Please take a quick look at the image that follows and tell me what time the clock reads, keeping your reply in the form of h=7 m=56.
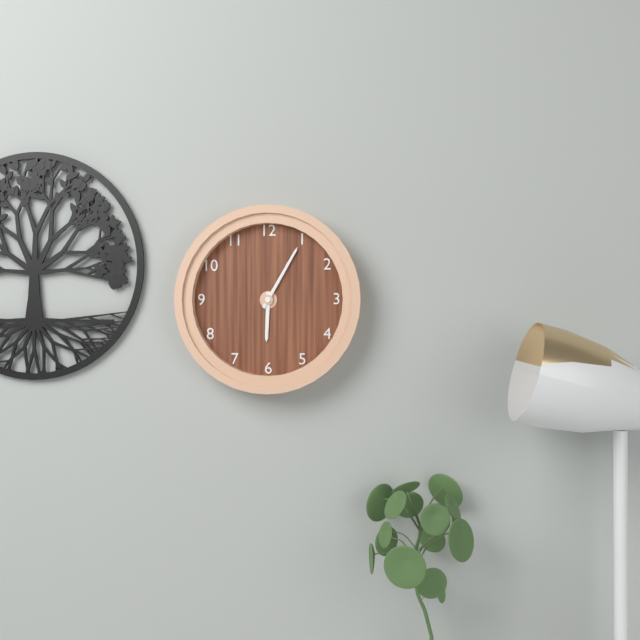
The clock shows h=6 m=5
